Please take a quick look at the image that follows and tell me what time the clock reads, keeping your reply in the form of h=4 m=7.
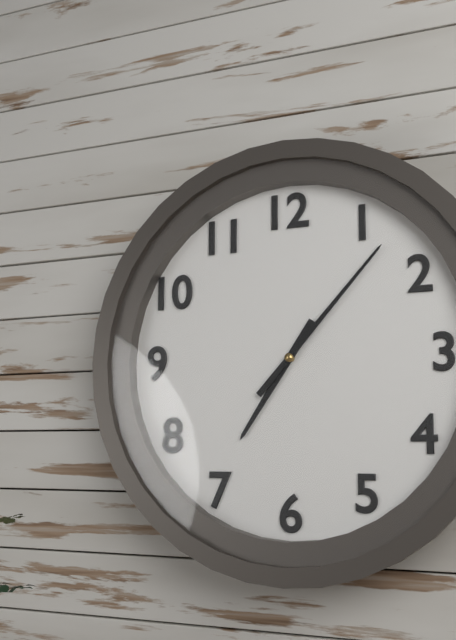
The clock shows h=7 m=7
